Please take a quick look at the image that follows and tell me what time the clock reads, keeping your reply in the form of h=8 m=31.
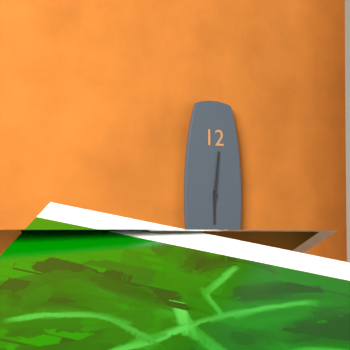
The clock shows h=6 m=1
